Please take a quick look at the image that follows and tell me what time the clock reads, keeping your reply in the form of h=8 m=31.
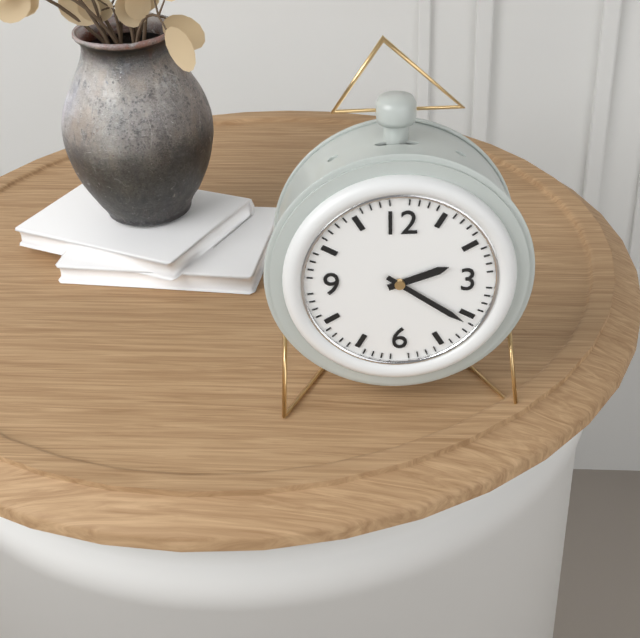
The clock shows h=2 m=21
